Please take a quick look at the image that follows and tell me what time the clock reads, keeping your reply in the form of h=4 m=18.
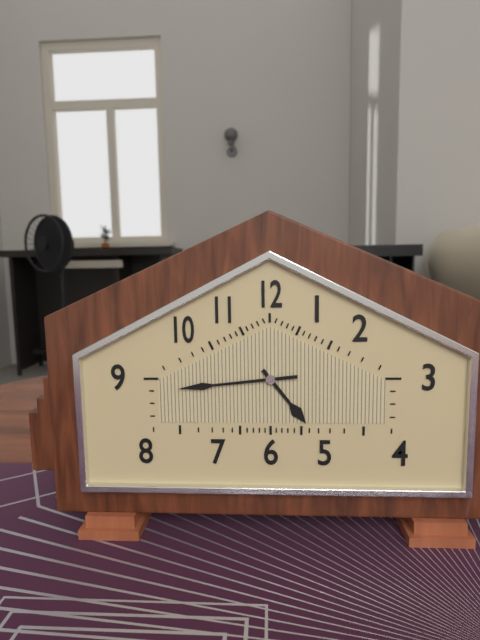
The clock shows h=4 m=44
